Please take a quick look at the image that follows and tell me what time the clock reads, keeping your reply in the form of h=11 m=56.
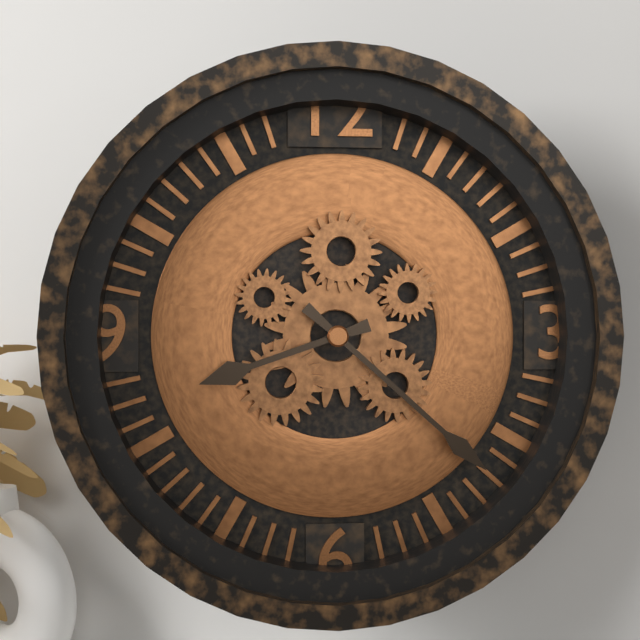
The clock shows h=8 m=22
